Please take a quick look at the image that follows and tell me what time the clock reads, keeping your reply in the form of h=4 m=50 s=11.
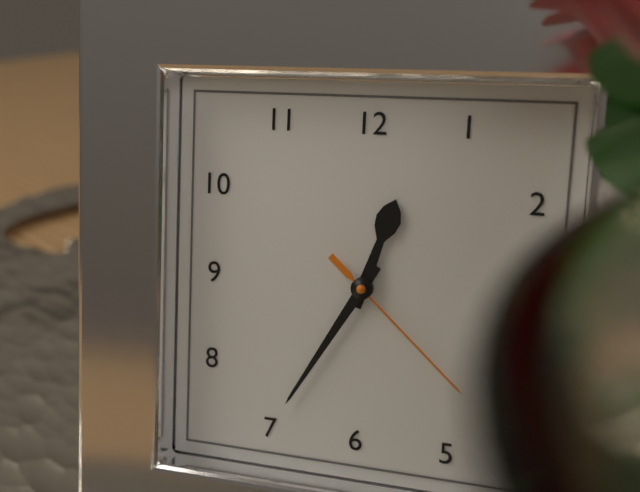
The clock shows h=12 m=35 s=22
